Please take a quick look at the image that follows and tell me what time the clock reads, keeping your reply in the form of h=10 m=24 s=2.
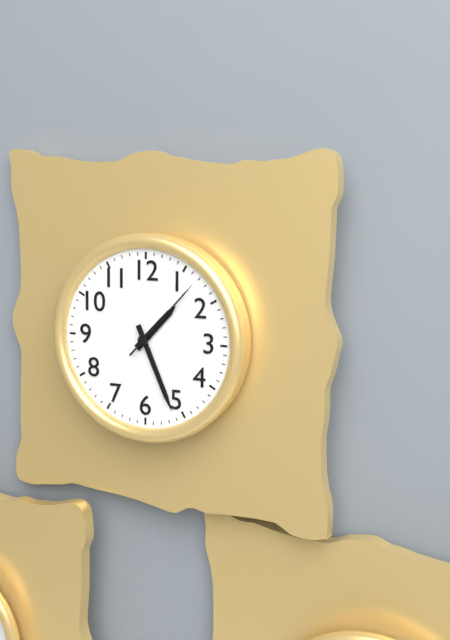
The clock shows h=1 m=26 s=7
